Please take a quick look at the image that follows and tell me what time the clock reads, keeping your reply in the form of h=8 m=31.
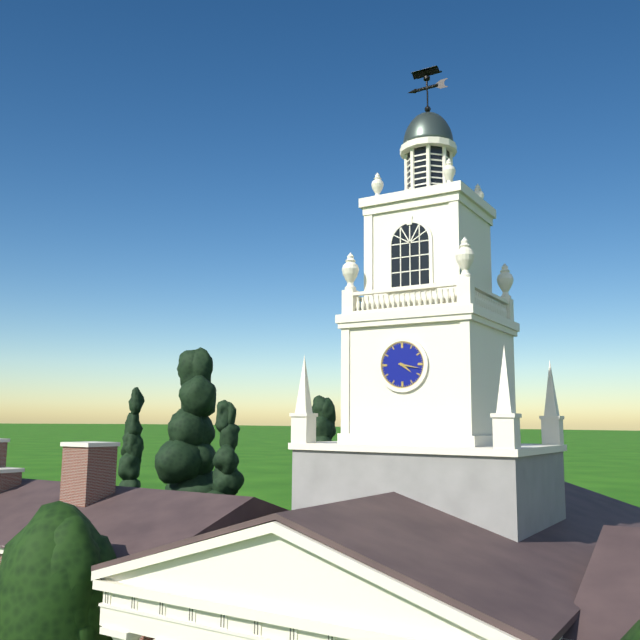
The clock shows h=4 m=17
